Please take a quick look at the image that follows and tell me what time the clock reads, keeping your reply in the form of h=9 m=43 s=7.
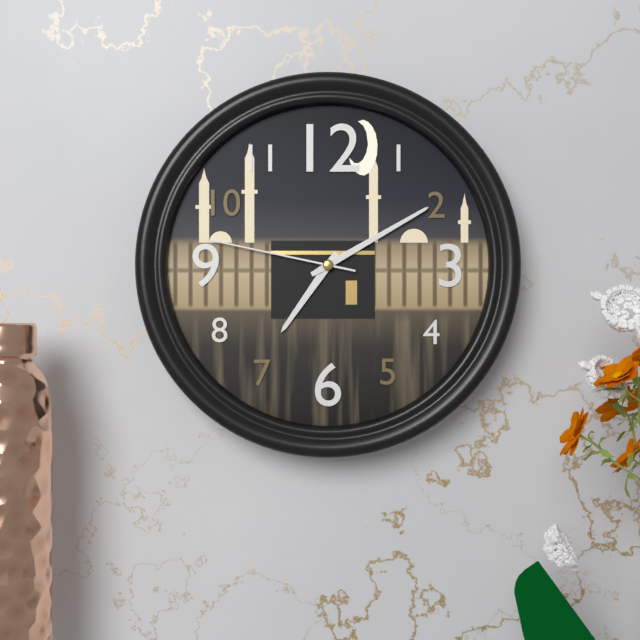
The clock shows h=7 m=10 s=47
